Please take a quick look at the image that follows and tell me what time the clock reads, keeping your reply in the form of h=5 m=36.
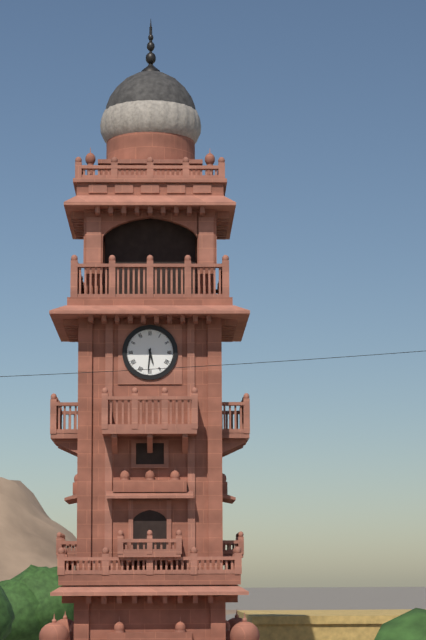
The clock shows h=5 m=31
